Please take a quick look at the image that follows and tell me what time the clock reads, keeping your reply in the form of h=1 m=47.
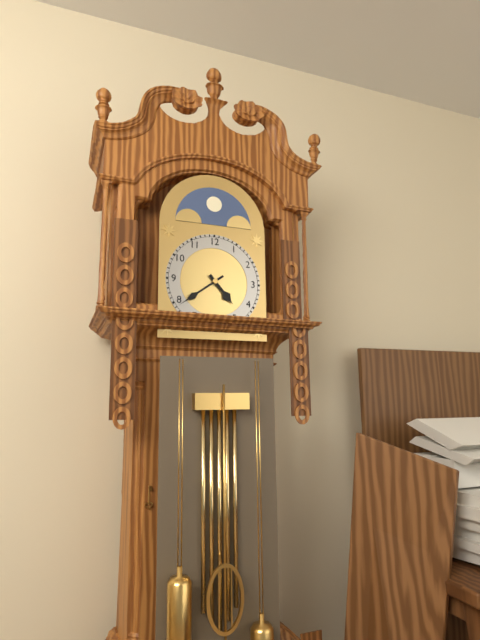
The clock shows h=4 m=39
